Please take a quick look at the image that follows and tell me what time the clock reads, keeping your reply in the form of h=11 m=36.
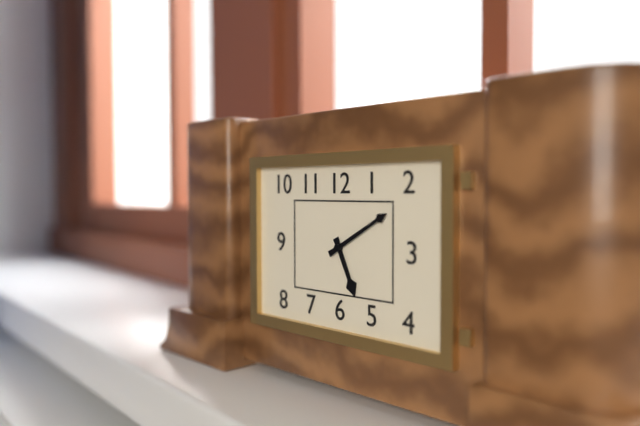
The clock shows h=5 m=10
